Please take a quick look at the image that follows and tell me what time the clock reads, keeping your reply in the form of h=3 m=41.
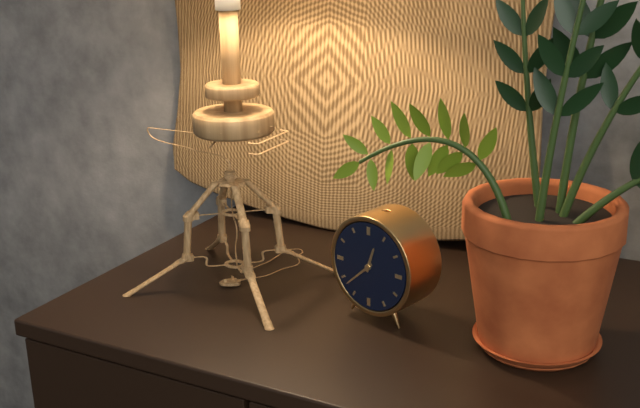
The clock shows h=12 m=38
